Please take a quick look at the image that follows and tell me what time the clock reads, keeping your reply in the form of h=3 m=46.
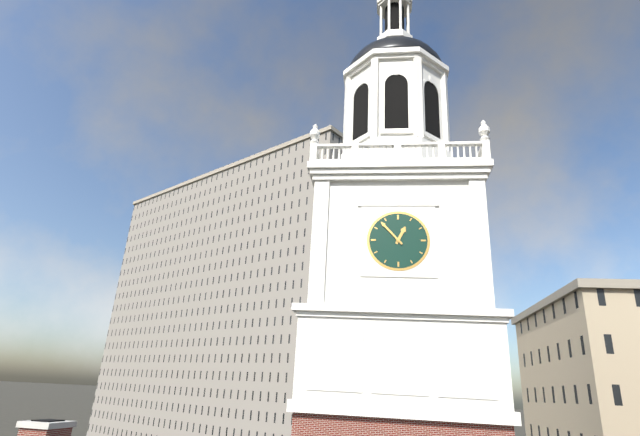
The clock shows h=12 m=53
